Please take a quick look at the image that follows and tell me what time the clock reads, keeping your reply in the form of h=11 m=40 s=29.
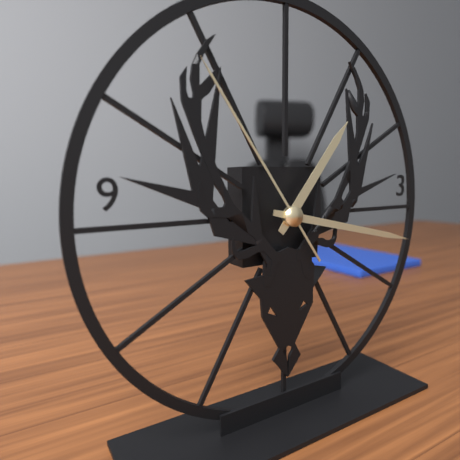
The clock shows h=1 m=17 s=54
